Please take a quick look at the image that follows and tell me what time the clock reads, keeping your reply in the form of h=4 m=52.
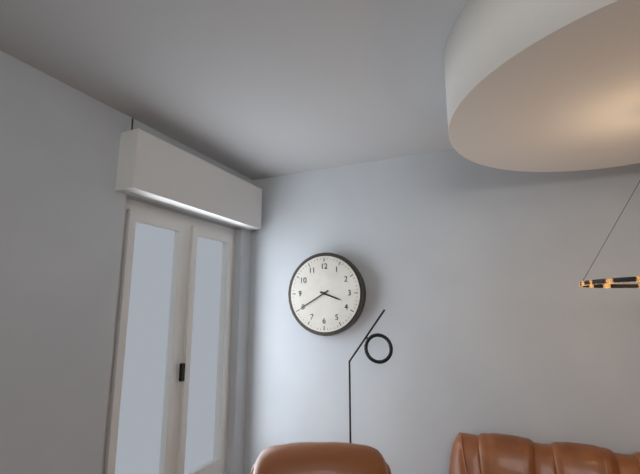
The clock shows h=3 m=40
